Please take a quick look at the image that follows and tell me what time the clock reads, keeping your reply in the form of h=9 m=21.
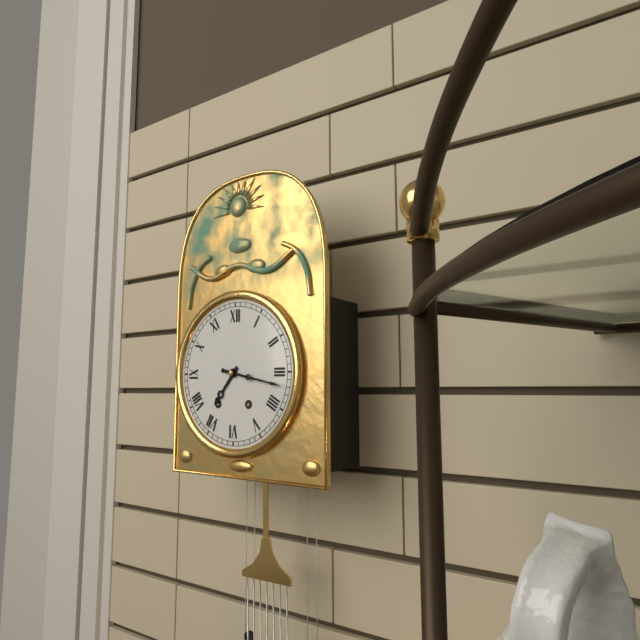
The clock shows h=7 m=17
